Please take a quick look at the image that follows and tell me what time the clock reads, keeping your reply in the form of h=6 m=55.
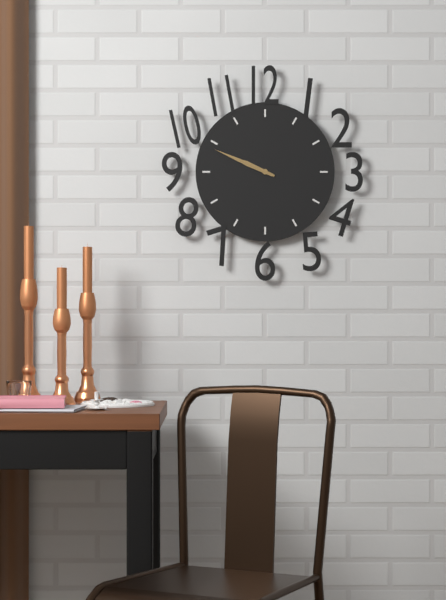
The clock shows h=9 m=49
